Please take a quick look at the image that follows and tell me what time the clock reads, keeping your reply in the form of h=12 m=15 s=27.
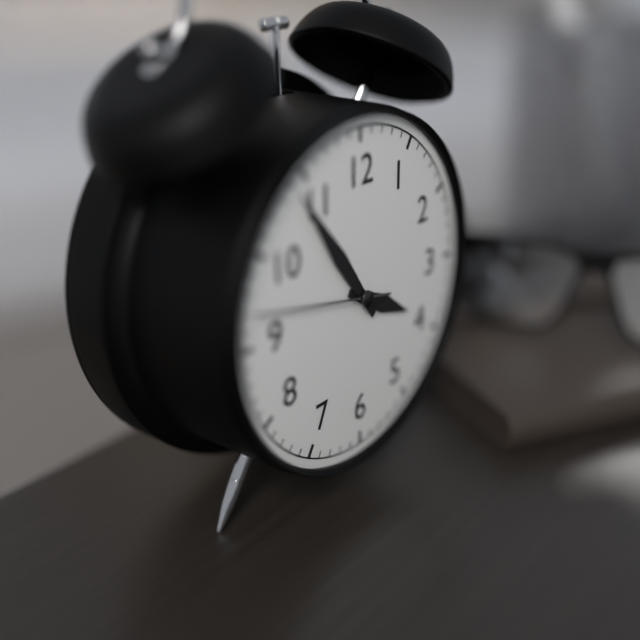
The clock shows h=3 m=54 s=47
